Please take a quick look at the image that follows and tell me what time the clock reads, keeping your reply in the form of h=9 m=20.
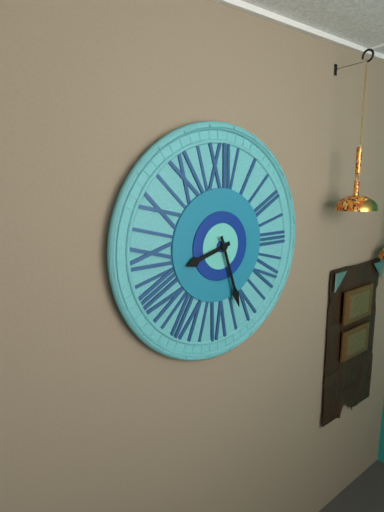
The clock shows h=8 m=27
